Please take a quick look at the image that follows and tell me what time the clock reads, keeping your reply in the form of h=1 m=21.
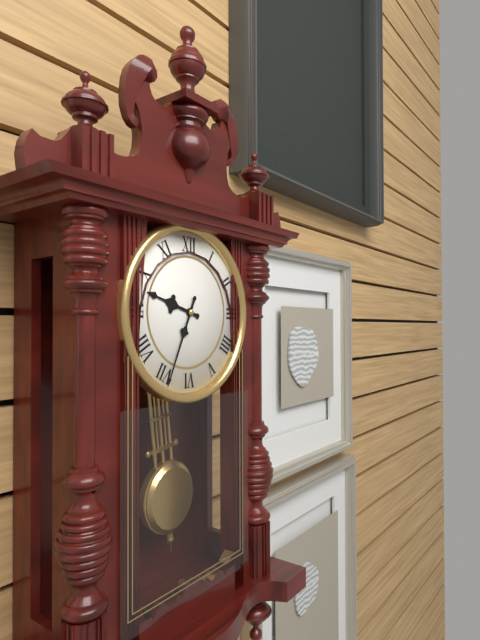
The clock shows h=9 m=34
